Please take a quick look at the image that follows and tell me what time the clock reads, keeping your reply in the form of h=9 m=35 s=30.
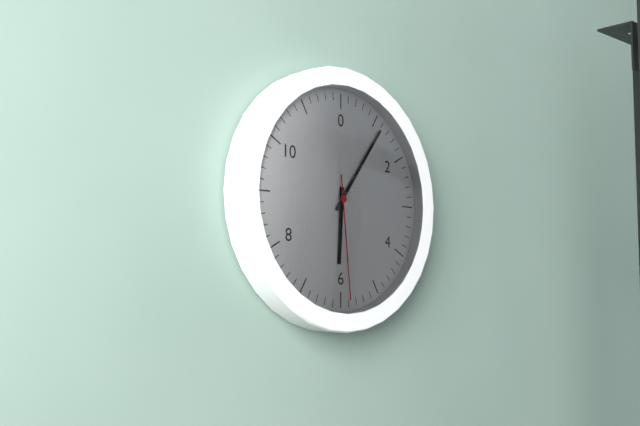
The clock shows h=6 m=6 s=29
